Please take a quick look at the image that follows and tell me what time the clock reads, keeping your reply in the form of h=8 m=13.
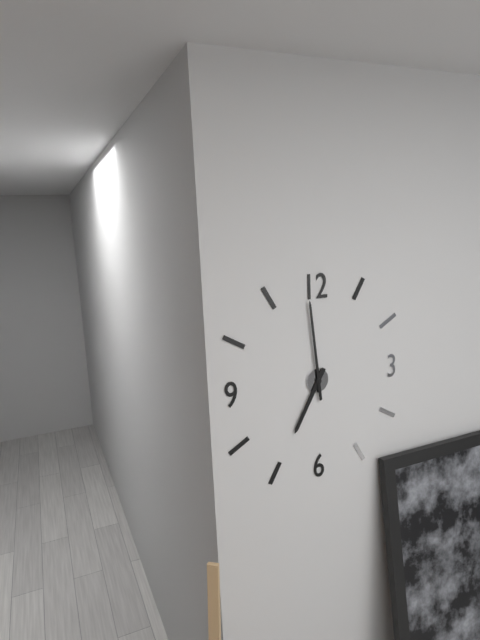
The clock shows h=6 m=59
